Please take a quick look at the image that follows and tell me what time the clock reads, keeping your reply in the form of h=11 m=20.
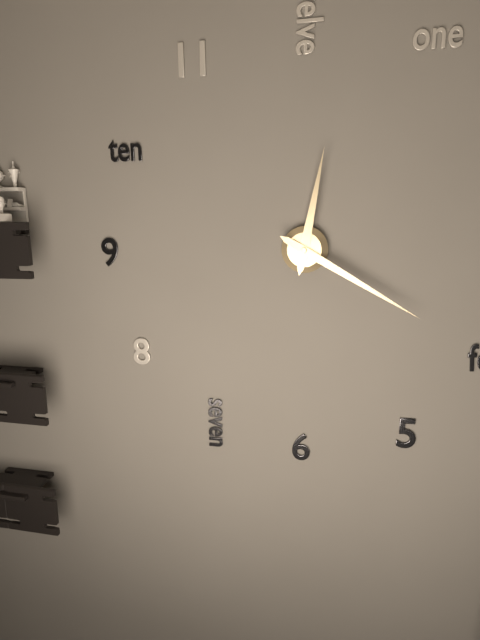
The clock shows h=12 m=20
